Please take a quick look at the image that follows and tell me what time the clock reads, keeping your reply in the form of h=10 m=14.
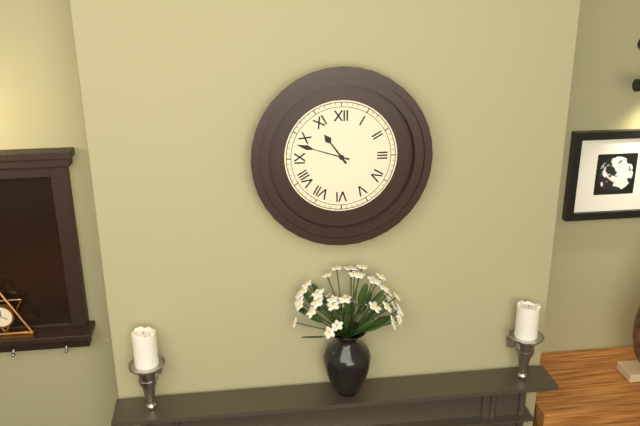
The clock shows h=10 m=48
